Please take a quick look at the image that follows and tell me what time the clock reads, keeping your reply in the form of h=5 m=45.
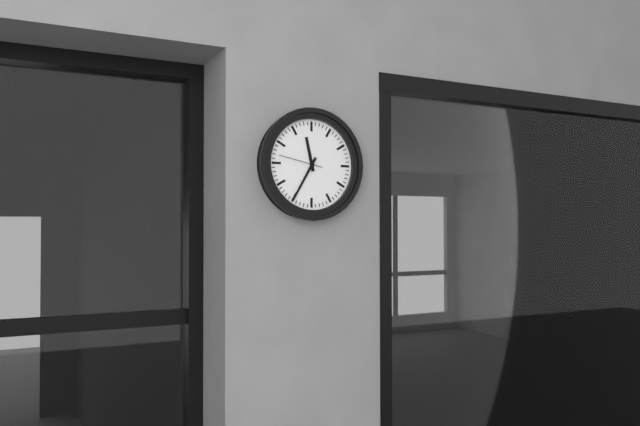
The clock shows h=11 m=35
